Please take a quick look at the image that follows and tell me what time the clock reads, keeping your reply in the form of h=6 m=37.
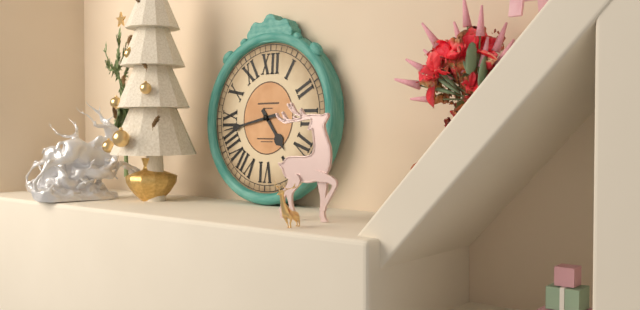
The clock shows h=4 m=43
